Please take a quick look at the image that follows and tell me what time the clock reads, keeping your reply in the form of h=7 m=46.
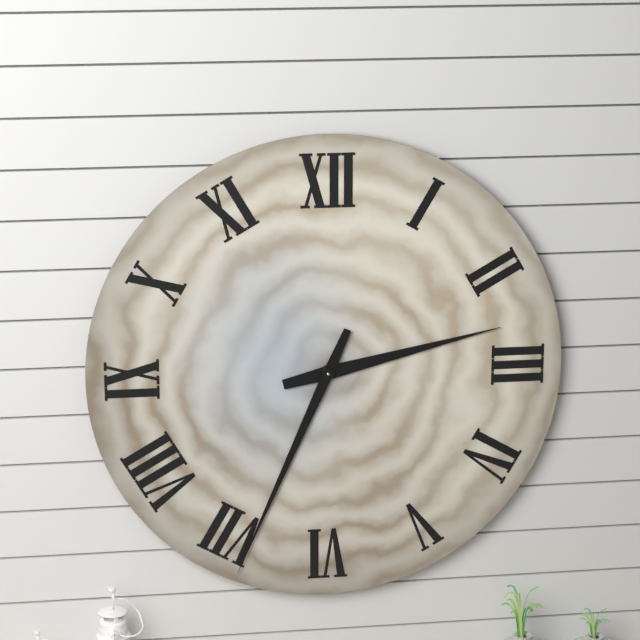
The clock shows h=2 m=34
